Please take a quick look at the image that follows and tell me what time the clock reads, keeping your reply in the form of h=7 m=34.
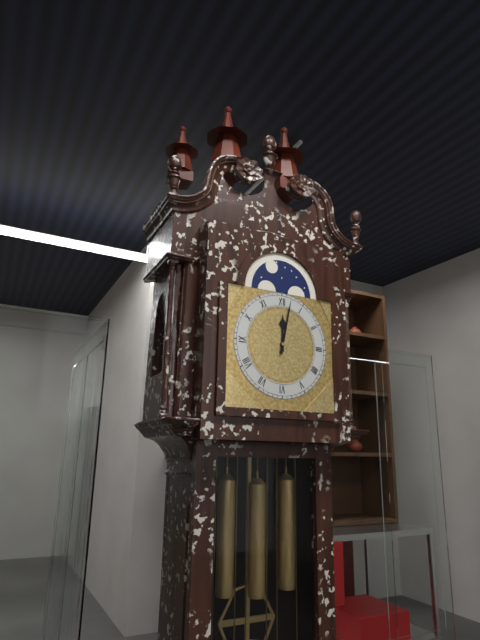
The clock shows h=12 m=2
